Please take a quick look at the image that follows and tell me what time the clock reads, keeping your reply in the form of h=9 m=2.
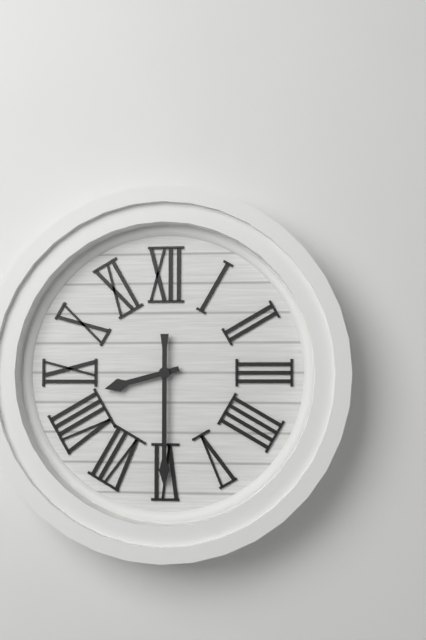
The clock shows h=8 m=30
